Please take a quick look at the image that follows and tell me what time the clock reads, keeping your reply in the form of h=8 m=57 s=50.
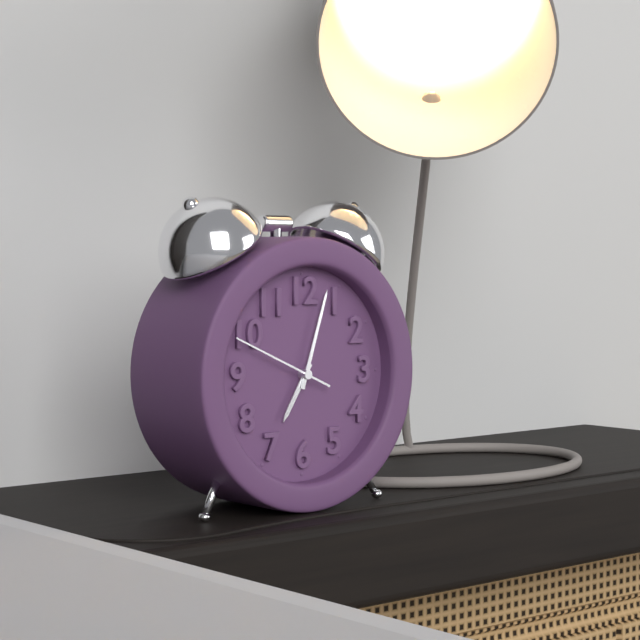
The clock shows h=7 m=3 s=49
